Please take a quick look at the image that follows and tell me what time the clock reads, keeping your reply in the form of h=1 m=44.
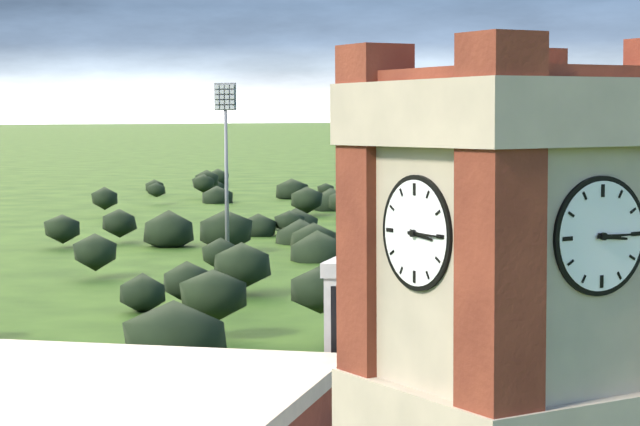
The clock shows h=3 m=15
